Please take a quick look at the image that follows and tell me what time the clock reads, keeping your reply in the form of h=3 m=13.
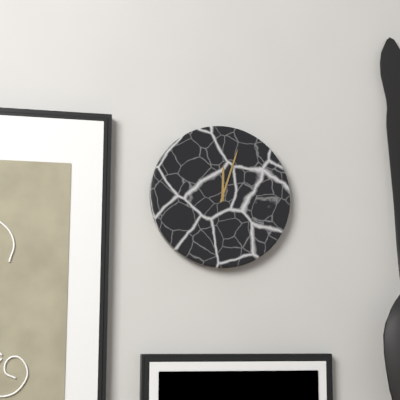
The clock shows h=12 m=3
